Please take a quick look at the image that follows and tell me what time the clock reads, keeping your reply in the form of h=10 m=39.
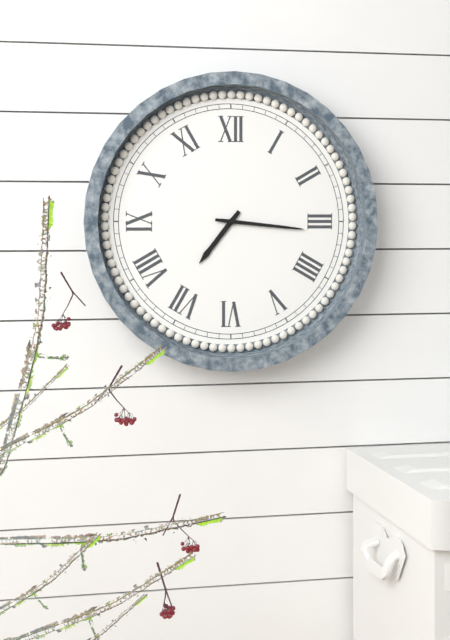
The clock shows h=7 m=16
